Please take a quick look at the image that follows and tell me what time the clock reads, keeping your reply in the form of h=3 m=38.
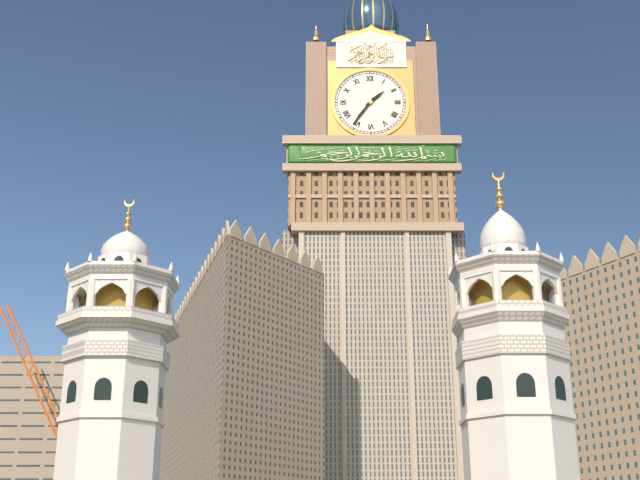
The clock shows h=1 m=36
